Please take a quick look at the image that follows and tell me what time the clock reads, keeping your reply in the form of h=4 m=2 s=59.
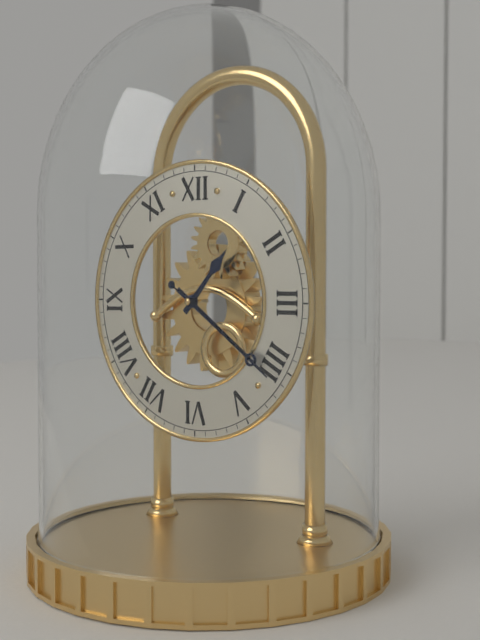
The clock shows h=1 m=21 s=21
